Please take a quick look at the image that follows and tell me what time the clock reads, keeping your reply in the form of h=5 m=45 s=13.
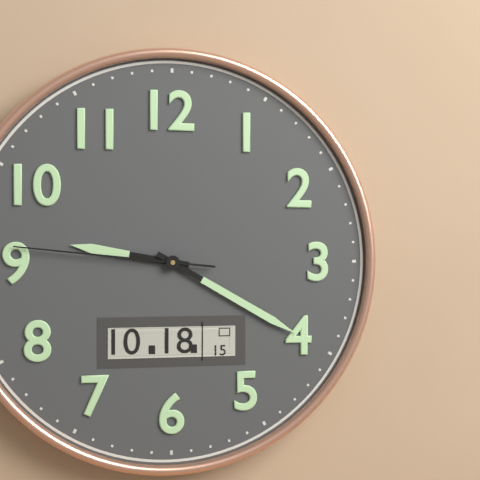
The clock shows h=9 m=20 s=46
